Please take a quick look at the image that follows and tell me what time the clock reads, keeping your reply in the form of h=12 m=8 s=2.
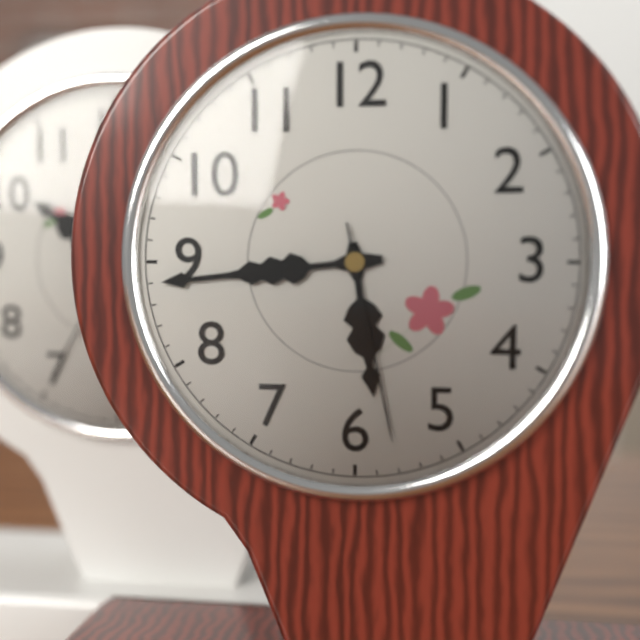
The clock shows h=5 m=44 s=28
